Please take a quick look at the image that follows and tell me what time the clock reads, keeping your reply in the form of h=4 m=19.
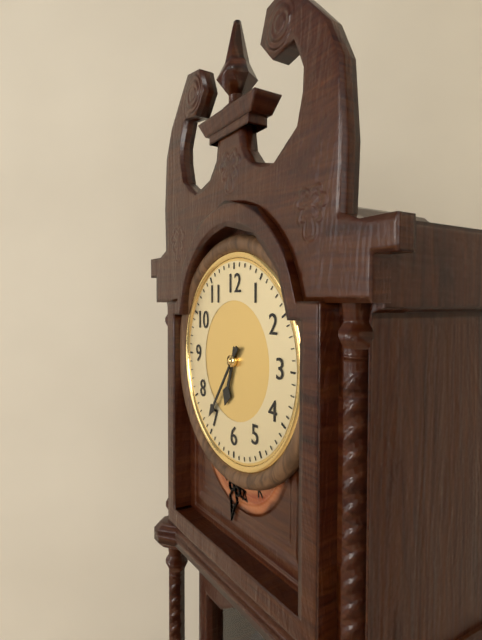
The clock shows h=6 m=36
